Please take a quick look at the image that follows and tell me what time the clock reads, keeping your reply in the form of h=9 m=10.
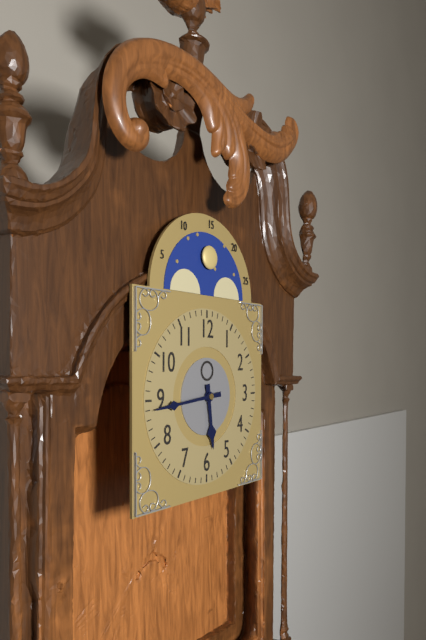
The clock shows h=5 m=44
